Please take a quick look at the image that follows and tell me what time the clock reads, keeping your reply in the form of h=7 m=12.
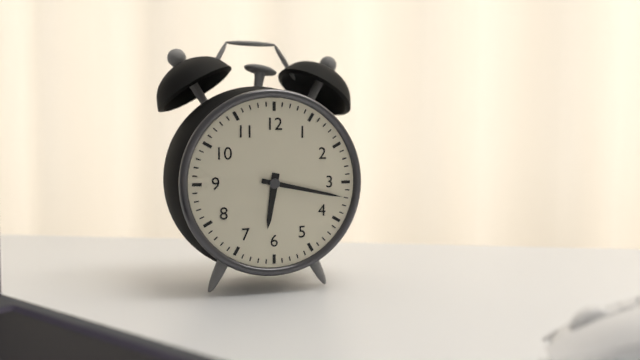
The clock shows h=6 m=17
